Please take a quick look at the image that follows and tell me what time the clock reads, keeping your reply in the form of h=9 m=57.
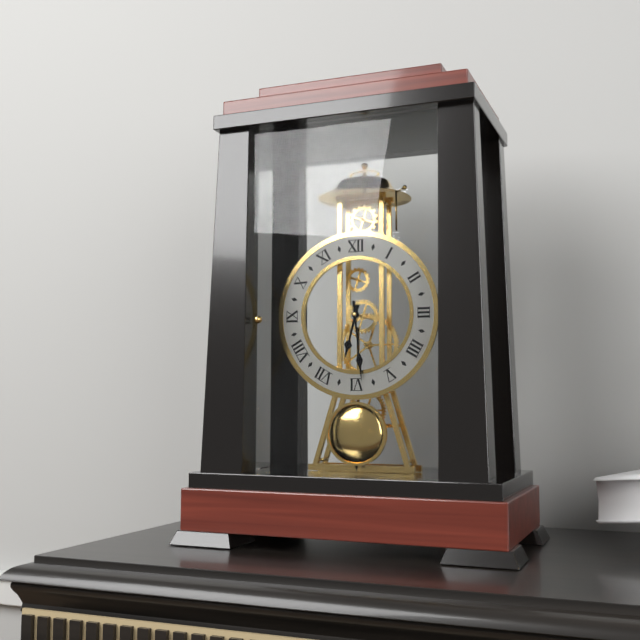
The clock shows h=6 m=29
